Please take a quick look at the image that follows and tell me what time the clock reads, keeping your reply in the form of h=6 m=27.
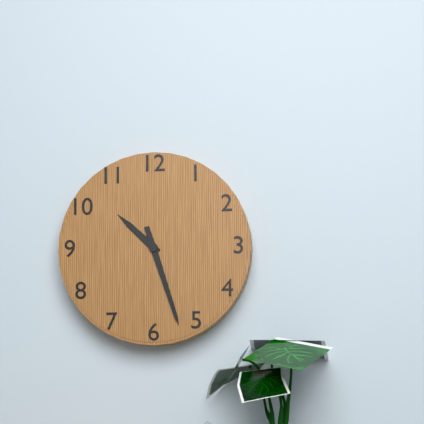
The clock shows h=10 m=27
